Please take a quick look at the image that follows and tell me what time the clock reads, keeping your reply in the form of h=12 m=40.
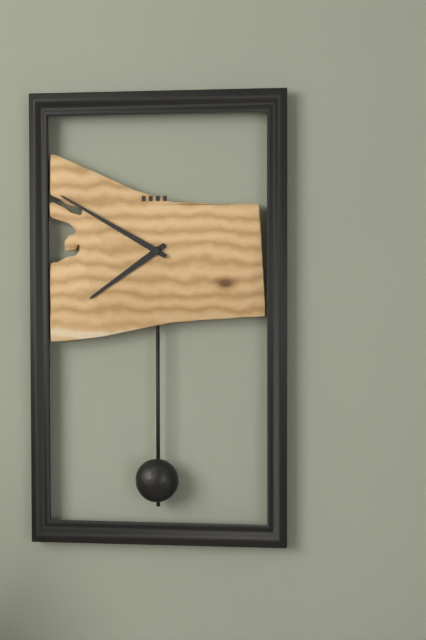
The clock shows h=7 m=50
